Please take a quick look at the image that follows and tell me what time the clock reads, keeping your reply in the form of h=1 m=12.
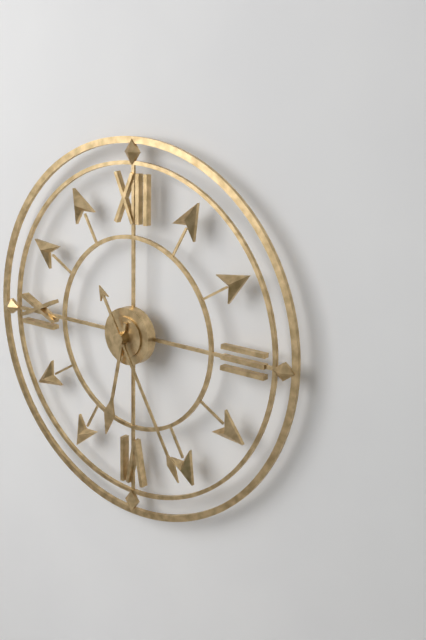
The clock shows h=6 m=25
